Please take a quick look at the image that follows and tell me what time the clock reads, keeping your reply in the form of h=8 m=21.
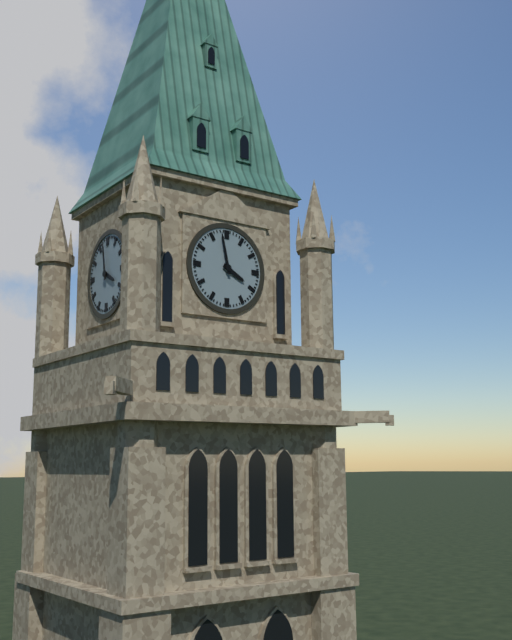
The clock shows h=3 m=58
